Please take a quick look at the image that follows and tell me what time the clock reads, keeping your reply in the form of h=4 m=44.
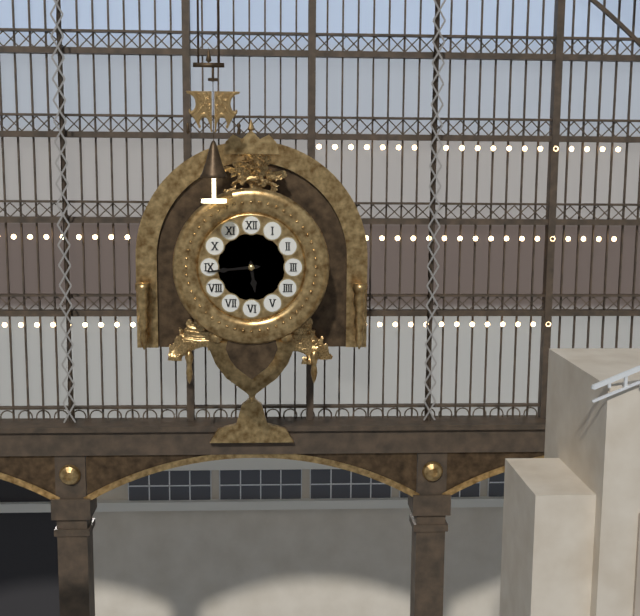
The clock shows h=5 m=44
